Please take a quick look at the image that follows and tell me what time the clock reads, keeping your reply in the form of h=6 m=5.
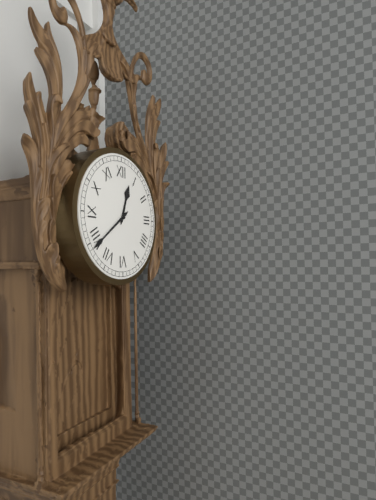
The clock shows h=12 m=39
